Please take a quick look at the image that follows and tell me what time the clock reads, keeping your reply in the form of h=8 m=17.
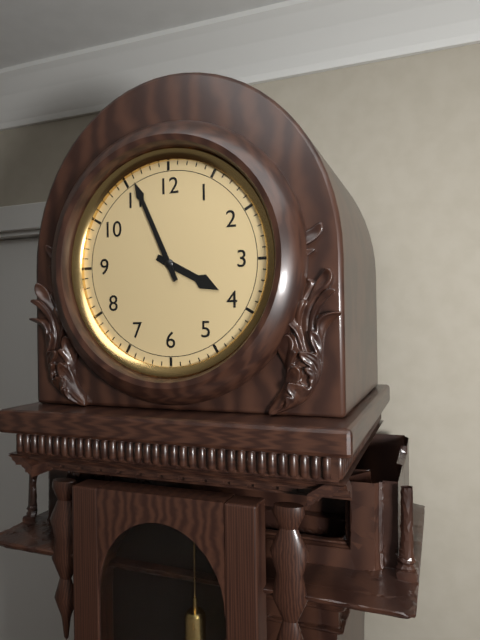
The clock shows h=3 m=56
